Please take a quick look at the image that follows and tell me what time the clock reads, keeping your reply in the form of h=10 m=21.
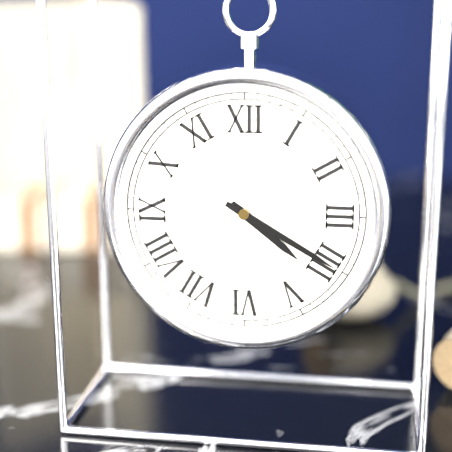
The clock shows h=4 m=20
